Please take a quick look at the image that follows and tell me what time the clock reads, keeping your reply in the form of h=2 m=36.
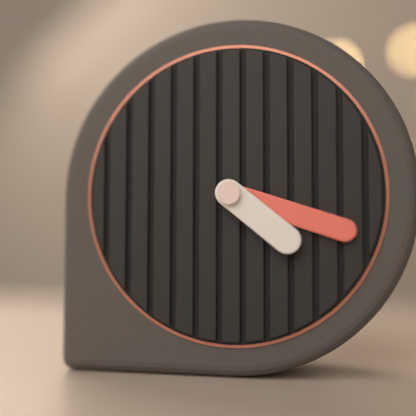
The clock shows h=4 m=18
